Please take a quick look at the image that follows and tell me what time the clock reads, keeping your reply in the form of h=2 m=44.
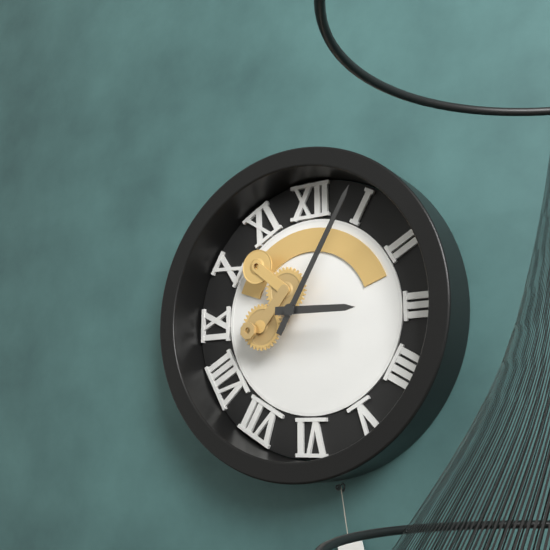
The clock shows h=3 m=5
